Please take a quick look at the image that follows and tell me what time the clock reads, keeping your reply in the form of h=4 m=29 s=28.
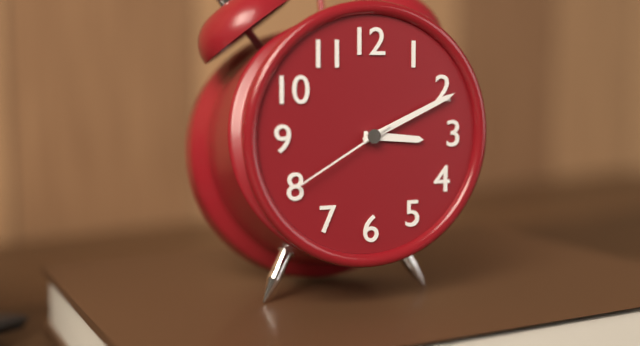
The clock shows h=3 m=11 s=40
